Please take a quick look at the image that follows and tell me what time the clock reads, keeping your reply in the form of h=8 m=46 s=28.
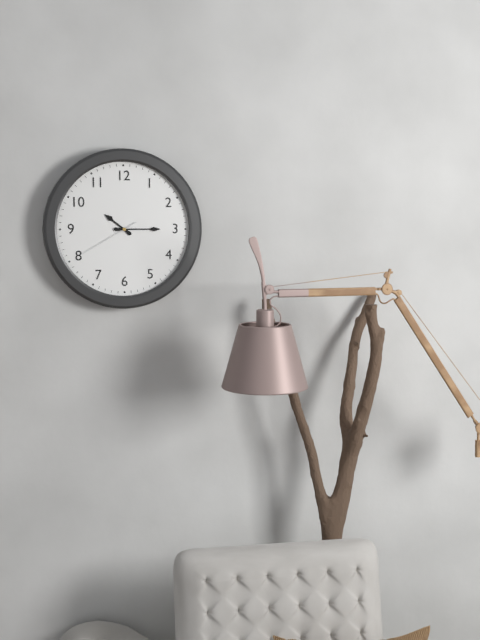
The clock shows h=10 m=15 s=40
